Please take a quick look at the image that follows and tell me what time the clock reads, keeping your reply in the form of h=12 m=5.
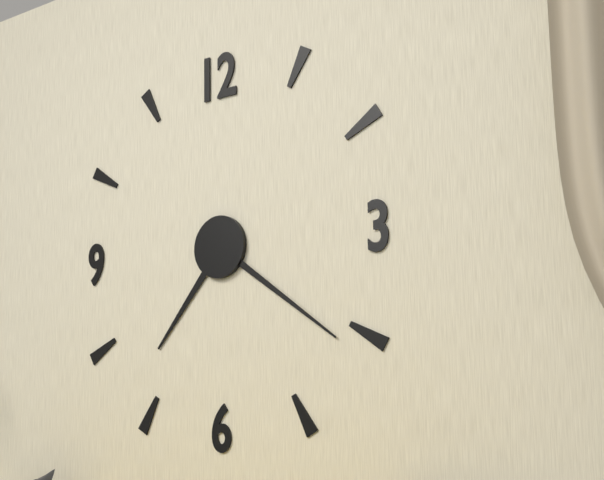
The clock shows h=7 m=21
